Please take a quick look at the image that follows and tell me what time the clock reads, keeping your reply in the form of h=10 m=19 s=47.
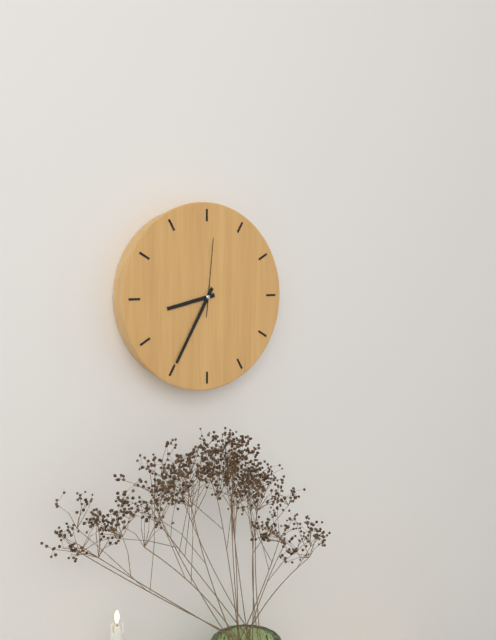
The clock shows h=8 m=35 s=1
